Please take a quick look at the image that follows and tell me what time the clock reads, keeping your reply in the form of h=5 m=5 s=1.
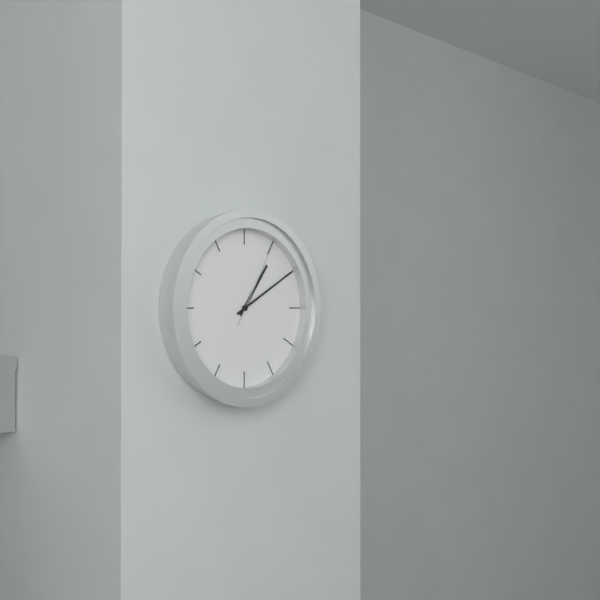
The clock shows h=1 m=10 s=5
